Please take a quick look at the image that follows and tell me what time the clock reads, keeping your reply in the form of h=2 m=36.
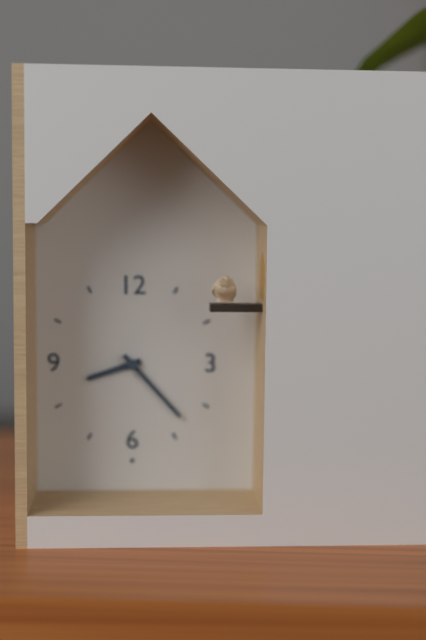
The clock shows h=8 m=23
